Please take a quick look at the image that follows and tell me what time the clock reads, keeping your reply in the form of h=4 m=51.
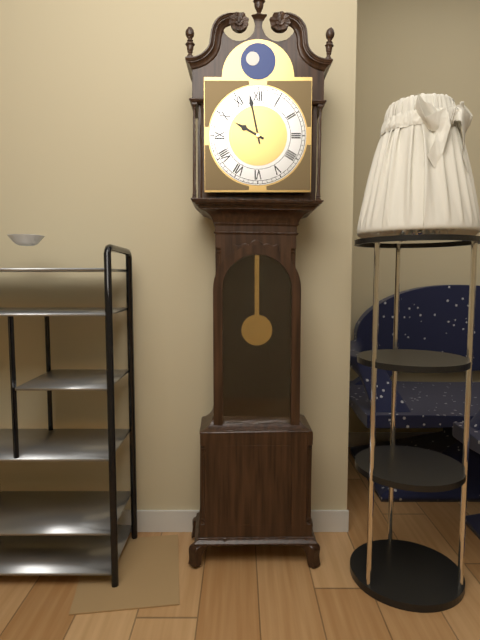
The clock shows h=9 m=58
